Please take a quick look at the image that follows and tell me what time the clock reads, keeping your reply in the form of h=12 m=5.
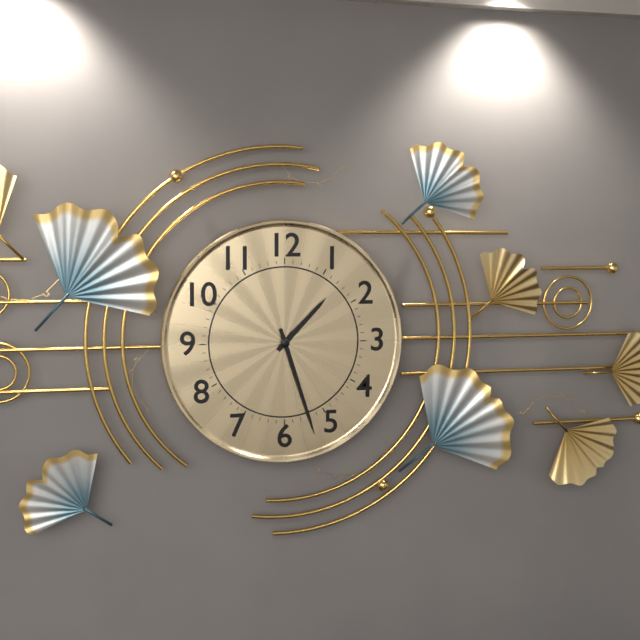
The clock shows h=1 m=27
